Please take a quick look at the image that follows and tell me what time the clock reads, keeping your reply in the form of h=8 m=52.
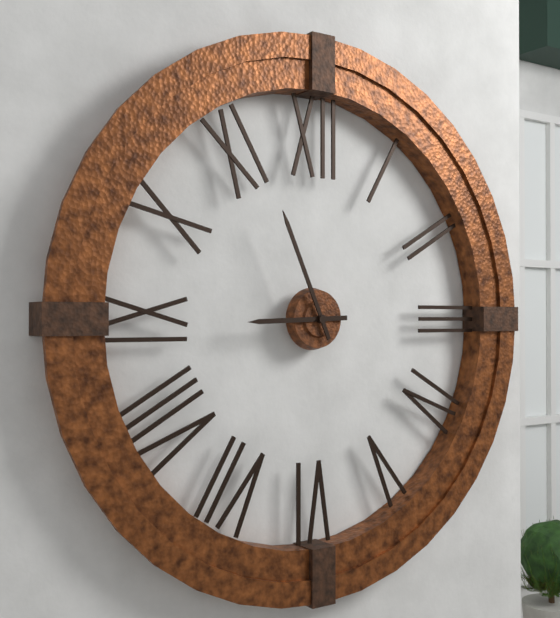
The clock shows h=8 m=56
